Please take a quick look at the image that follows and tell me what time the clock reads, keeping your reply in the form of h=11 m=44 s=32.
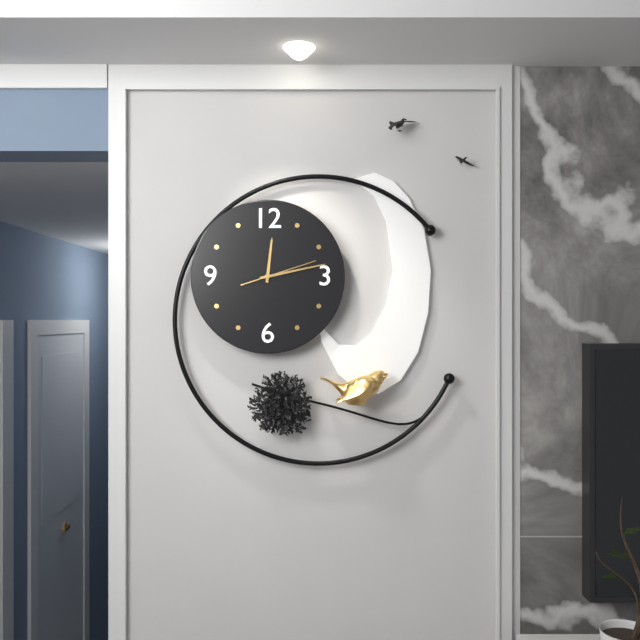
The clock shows h=12 m=13 s=12
